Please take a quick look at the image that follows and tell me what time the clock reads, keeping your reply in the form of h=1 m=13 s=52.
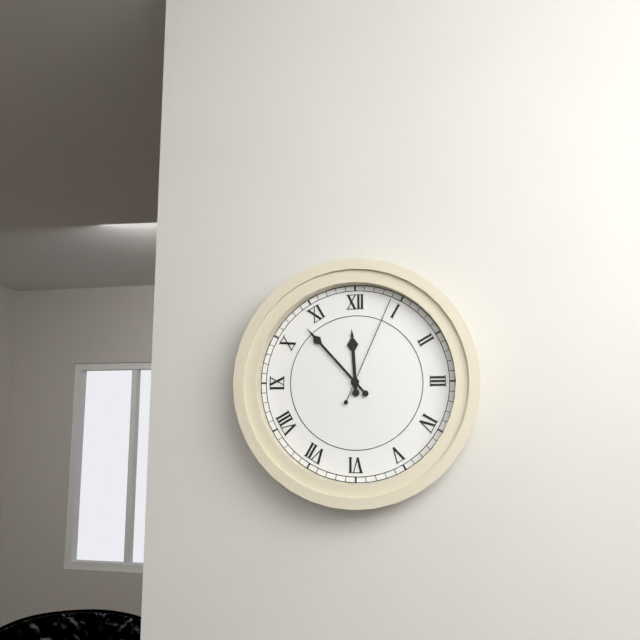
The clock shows h=11 m=53 s=4
